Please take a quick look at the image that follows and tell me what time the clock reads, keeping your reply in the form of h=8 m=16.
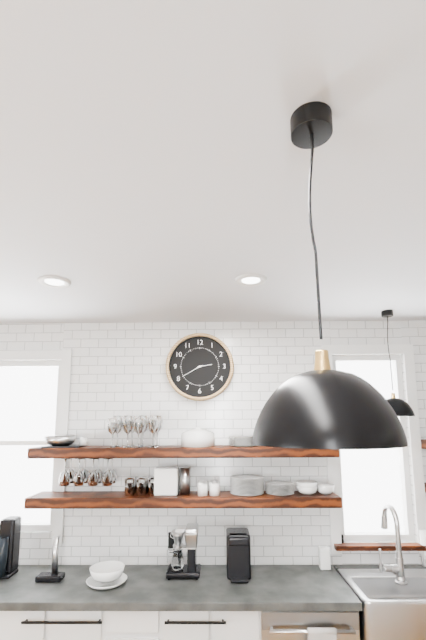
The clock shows h=2 m=40
